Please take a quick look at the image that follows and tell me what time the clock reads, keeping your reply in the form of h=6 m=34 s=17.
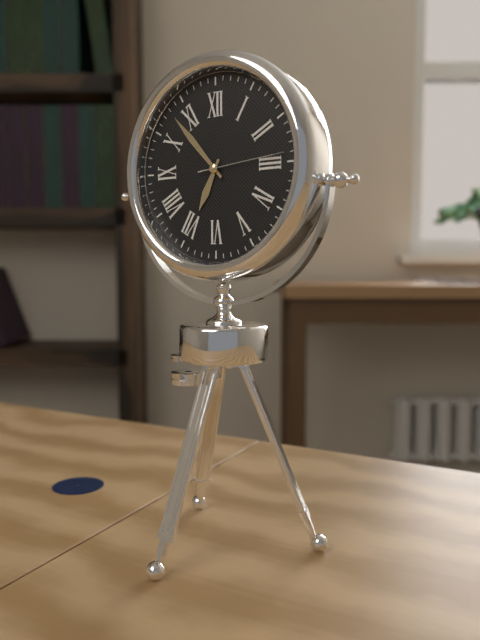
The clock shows h=6 m=53 s=14
